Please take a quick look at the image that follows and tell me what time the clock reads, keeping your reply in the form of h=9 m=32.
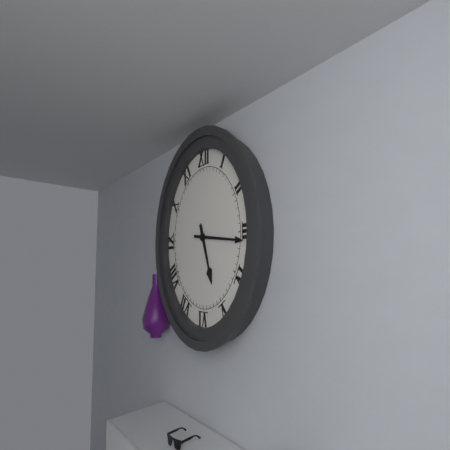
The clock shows h=5 m=16
